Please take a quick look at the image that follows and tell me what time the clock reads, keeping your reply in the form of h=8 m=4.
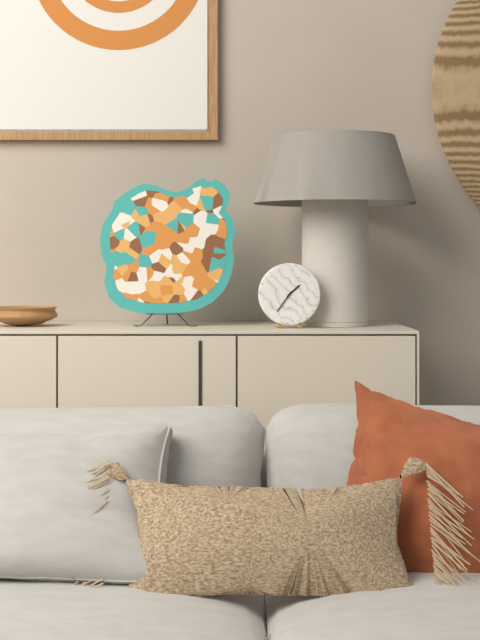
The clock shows h=1 m=36
